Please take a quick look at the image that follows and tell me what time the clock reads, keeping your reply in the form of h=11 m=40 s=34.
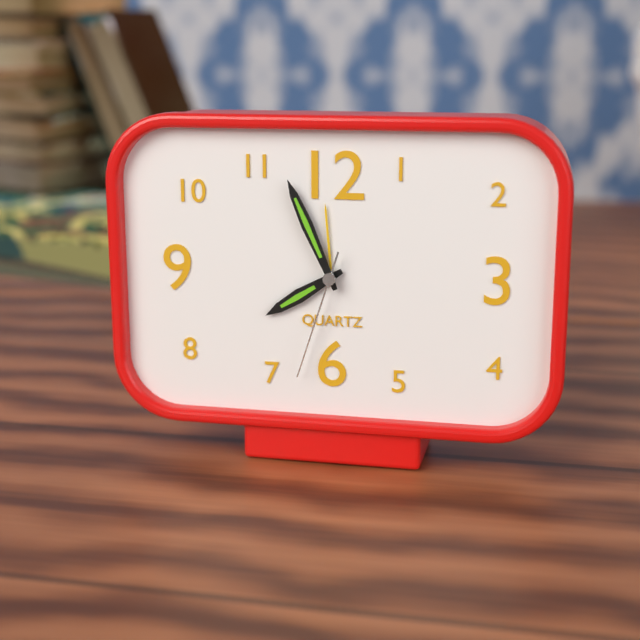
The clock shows h=7 m=56 s=33
